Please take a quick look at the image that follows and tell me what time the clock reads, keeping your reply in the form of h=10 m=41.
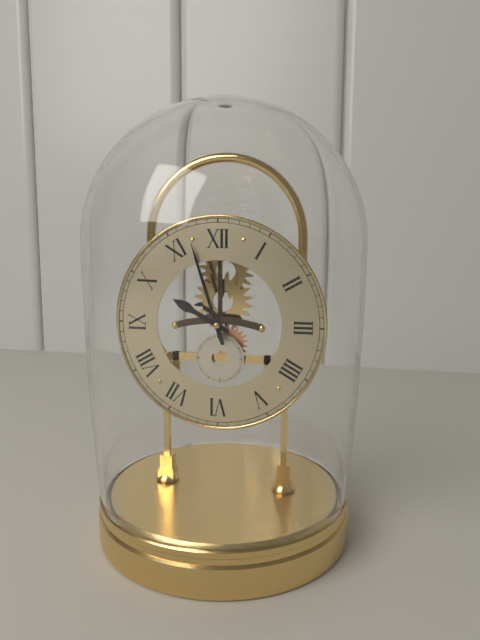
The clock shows h=9 m=57
